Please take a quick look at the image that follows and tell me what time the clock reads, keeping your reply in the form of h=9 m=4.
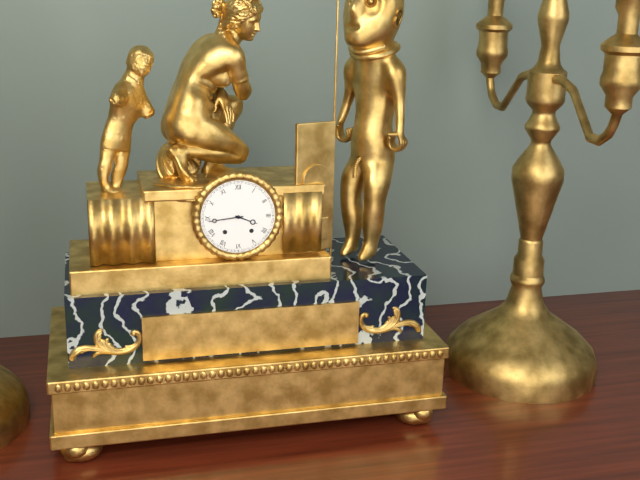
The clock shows h=3 m=44
